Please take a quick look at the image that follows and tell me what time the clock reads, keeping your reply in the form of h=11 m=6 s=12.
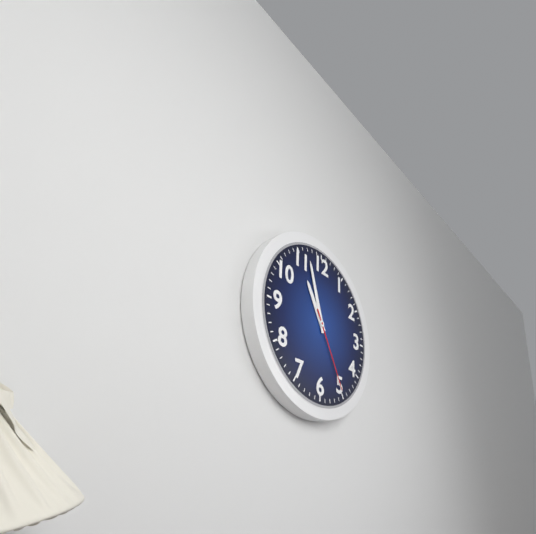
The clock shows h=10 m=57 s=25
